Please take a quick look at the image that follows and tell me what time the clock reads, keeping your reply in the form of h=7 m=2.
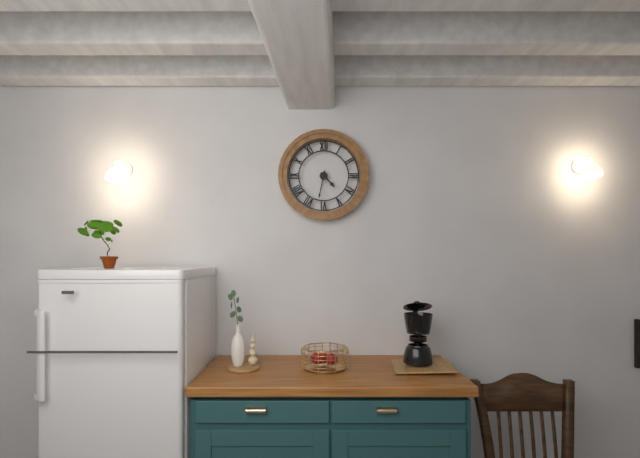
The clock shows h=4 m=32
